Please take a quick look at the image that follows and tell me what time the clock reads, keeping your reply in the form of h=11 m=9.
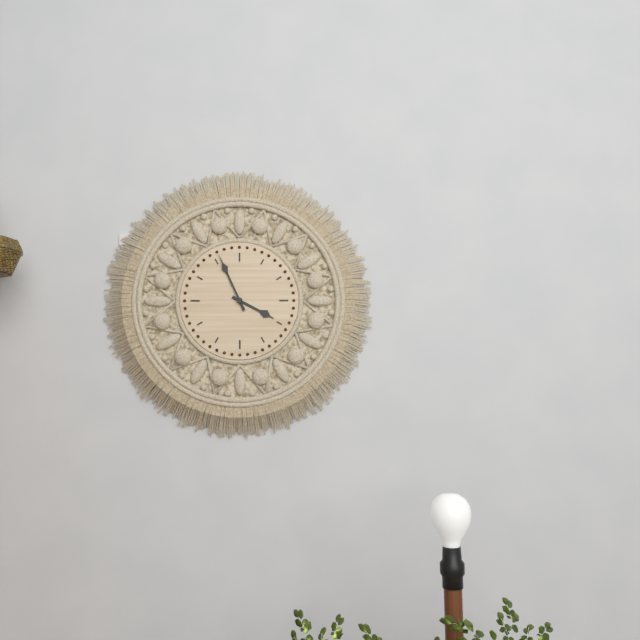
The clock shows h=3 m=56
